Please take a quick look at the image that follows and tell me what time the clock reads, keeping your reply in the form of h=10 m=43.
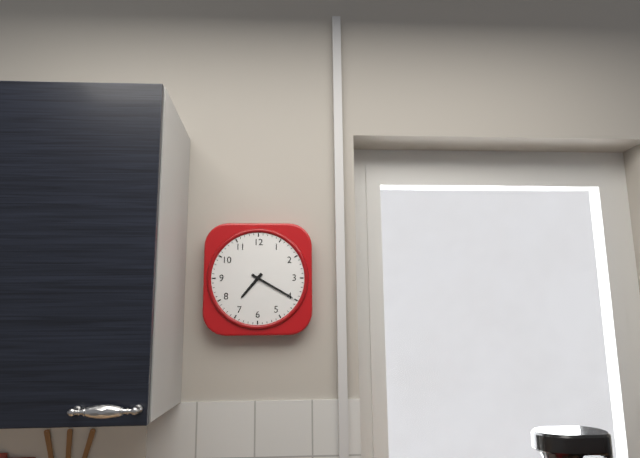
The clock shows h=7 m=20
